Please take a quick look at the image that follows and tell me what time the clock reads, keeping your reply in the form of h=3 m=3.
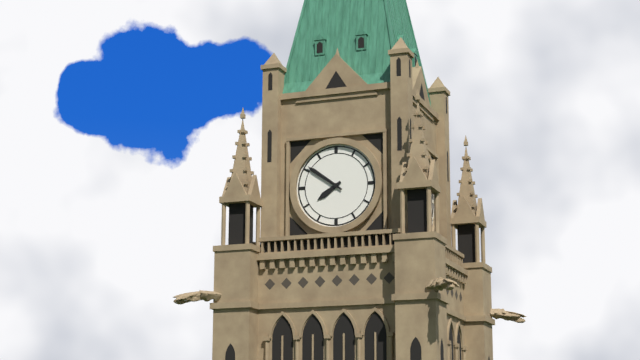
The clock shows h=7 m=51
